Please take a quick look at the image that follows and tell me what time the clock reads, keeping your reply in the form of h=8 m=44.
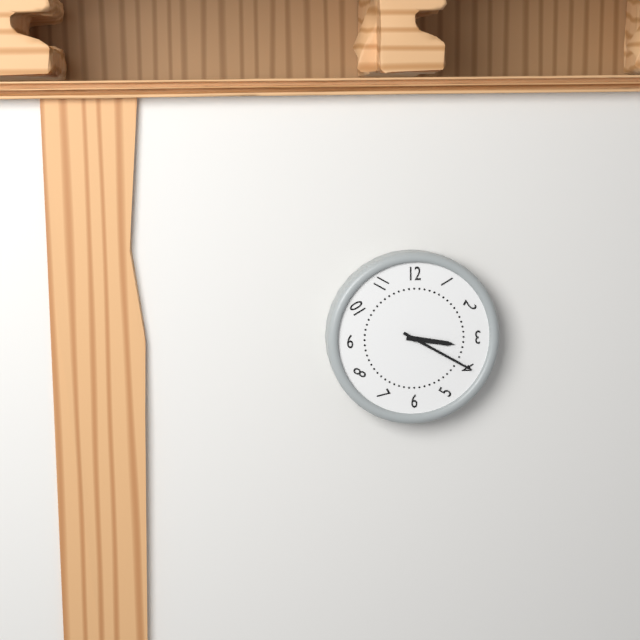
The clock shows h=3 m=20
